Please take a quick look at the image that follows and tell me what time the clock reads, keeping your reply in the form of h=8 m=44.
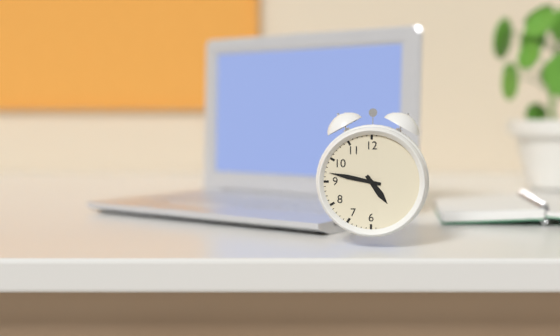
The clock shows h=4 m=47
